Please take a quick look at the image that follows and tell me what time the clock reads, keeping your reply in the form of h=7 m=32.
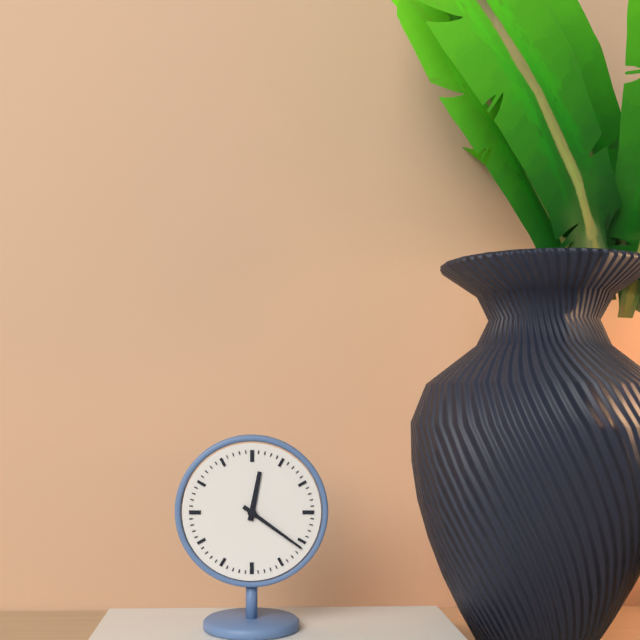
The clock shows h=12 m=21
